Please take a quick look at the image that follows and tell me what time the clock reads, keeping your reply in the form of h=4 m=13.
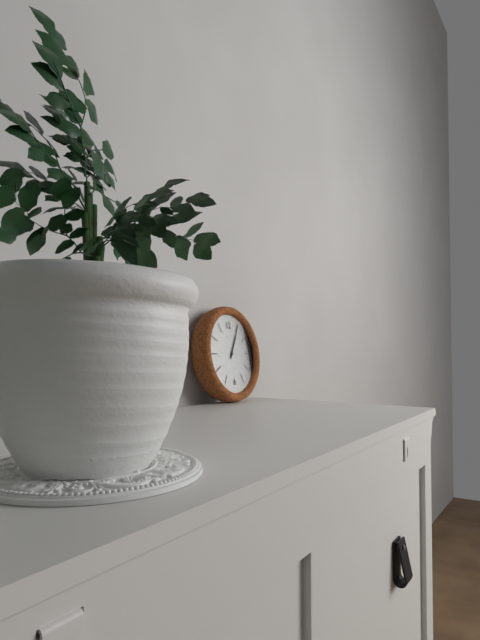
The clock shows h=1 m=5
